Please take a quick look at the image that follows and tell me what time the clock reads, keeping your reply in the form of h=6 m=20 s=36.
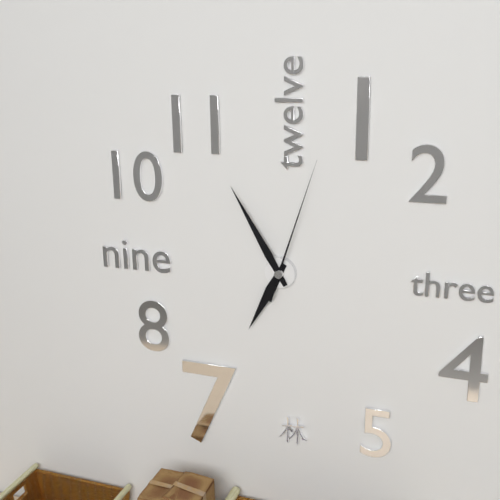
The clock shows h=6 m=55 s=3
